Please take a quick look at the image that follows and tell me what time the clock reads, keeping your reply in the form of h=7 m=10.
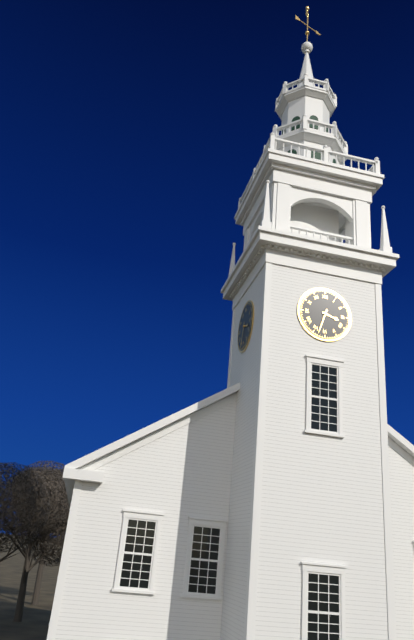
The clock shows h=3 m=33
